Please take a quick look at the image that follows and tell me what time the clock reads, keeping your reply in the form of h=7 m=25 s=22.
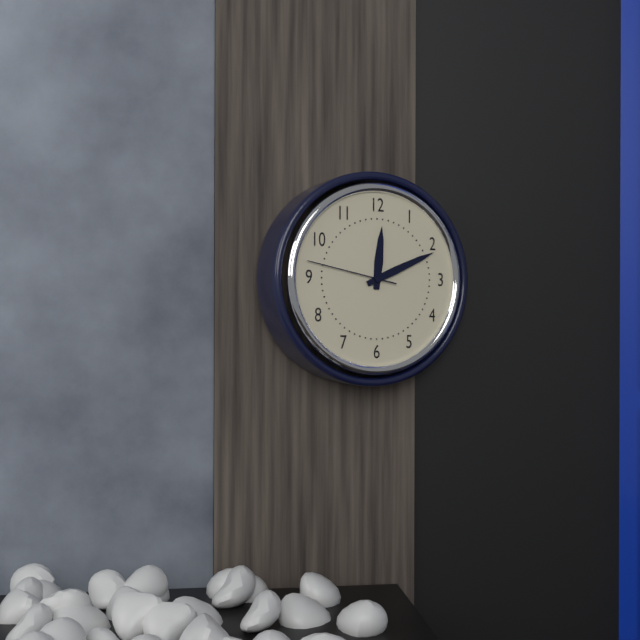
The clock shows h=12 m=11 s=47
